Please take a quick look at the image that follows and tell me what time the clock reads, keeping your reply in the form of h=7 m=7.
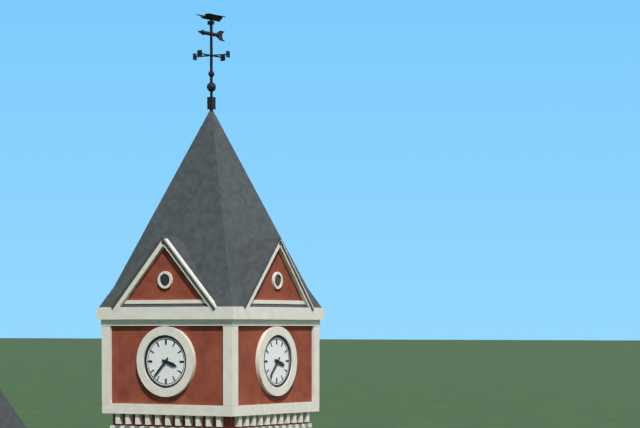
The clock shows h=3 m=37
